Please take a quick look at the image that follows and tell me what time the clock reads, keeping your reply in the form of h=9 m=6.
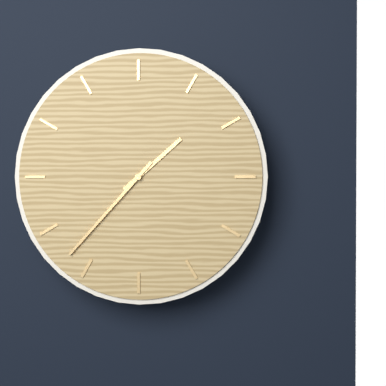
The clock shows h=1 m=37
